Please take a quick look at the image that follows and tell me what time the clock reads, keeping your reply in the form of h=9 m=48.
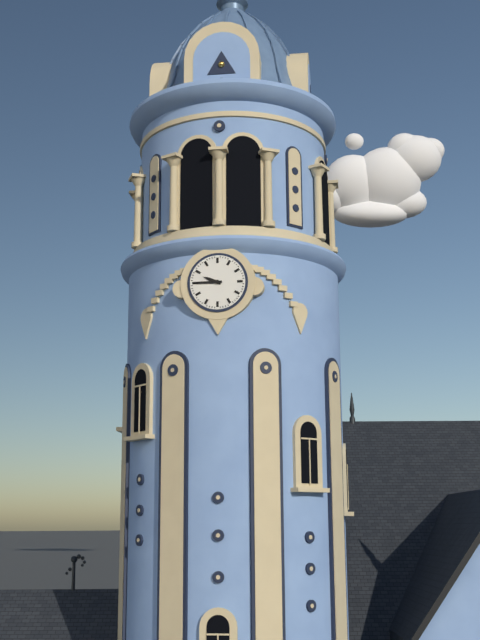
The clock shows h=9 m=45
